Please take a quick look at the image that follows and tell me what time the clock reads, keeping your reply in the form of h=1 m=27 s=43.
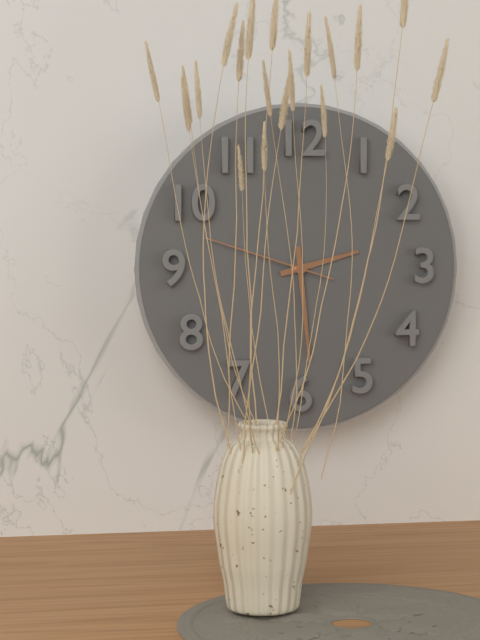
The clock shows h=2 m=29 s=48
